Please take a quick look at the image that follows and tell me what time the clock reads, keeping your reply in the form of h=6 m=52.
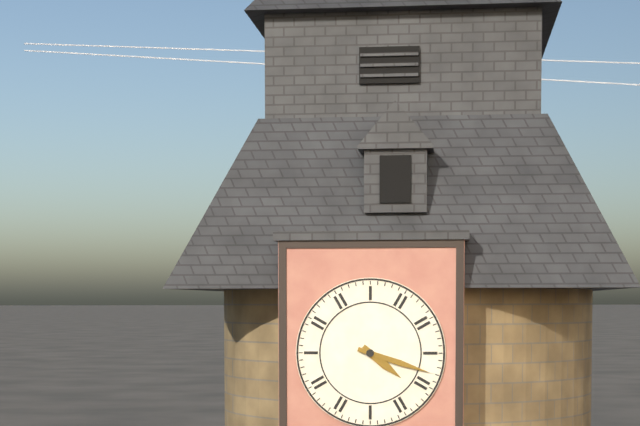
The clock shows h=4 m=18
